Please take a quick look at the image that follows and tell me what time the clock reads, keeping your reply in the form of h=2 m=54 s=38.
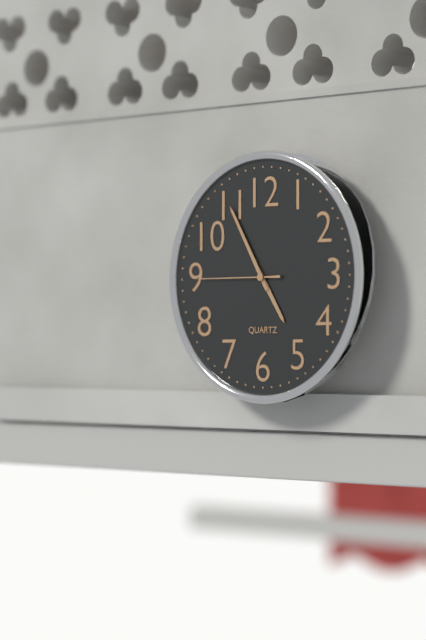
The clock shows h=4 m=55 s=45
